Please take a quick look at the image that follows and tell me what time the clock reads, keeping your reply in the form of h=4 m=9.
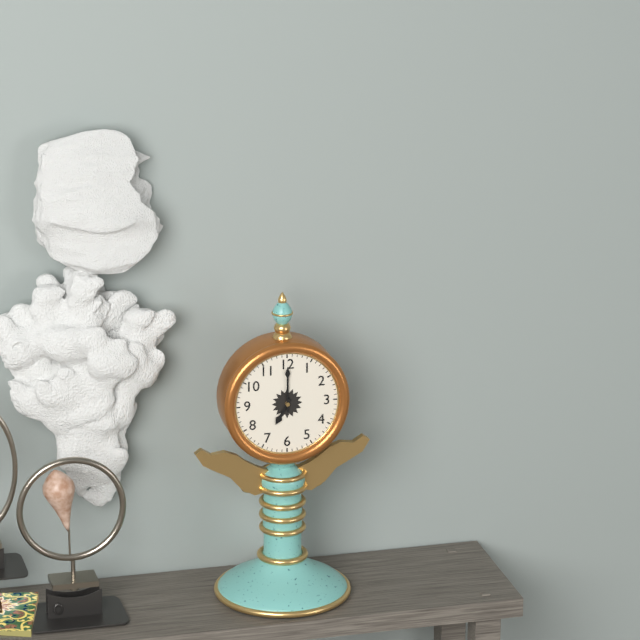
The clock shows h=7 m=0
